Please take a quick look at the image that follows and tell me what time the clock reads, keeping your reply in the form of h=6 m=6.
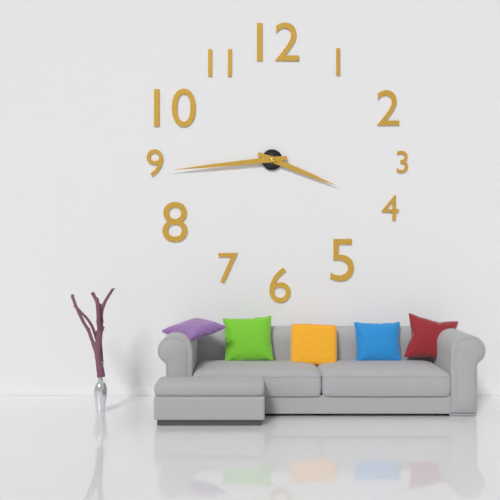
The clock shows h=3 m=44
